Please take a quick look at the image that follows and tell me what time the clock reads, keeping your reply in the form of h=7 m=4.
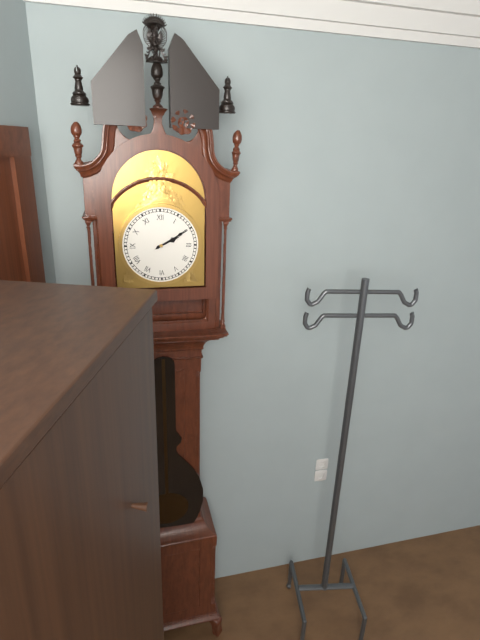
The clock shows h=2 m=10
